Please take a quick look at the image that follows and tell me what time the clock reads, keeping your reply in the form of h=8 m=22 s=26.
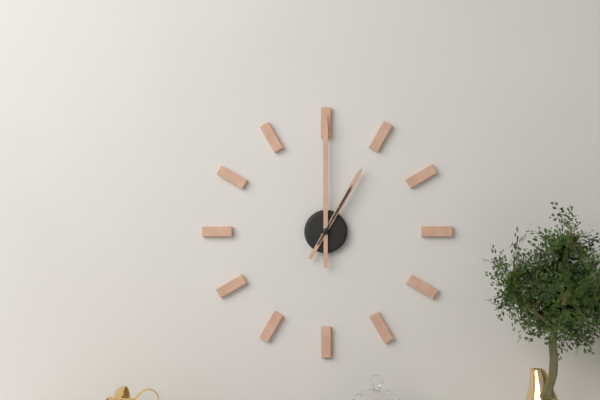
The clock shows h=1 m=0 s=5
